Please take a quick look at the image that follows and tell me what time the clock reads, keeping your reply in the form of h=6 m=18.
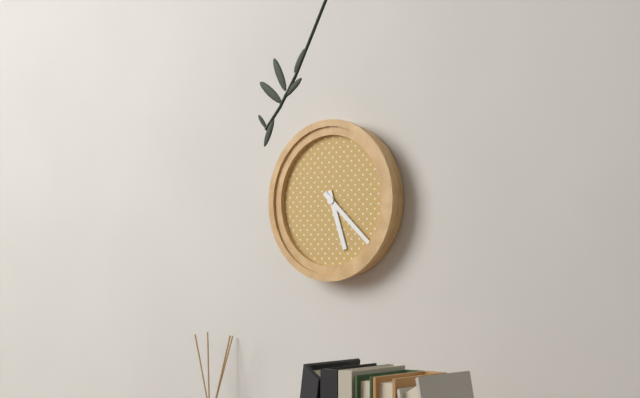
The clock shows h=5 m=22
